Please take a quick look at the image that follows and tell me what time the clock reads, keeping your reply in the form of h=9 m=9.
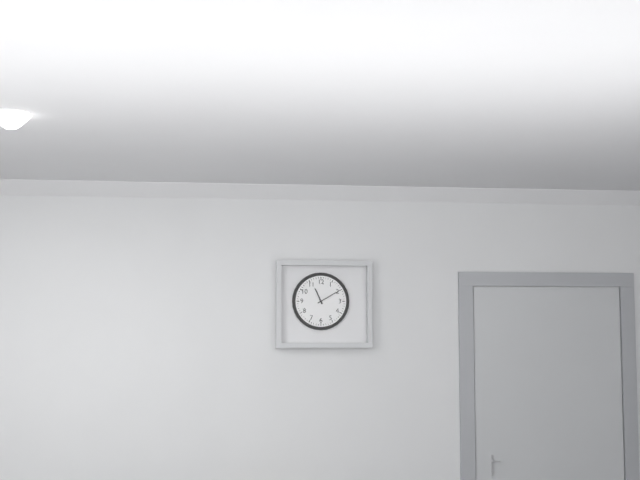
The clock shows h=11 m=10
